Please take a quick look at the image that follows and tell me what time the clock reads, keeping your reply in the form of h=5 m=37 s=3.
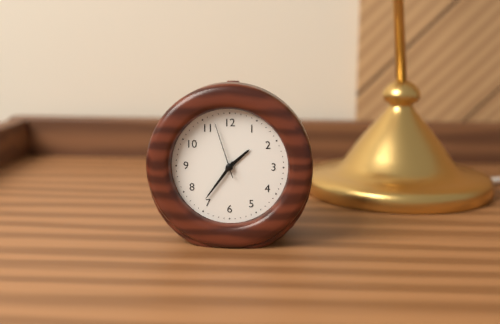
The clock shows h=1 m=36 s=57
